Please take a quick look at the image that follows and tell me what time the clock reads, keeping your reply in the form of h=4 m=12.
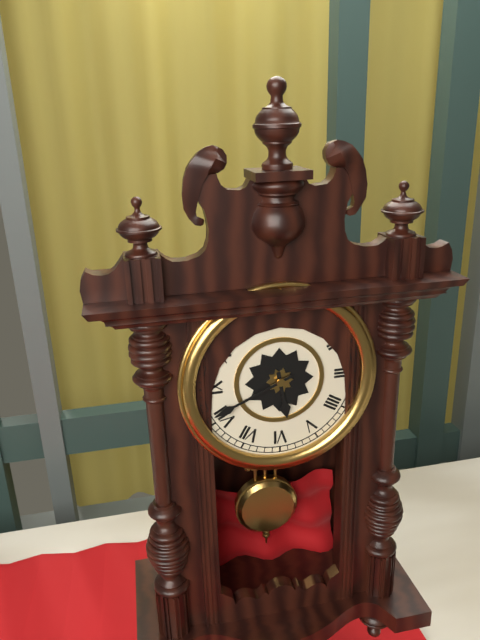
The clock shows h=5 m=41
